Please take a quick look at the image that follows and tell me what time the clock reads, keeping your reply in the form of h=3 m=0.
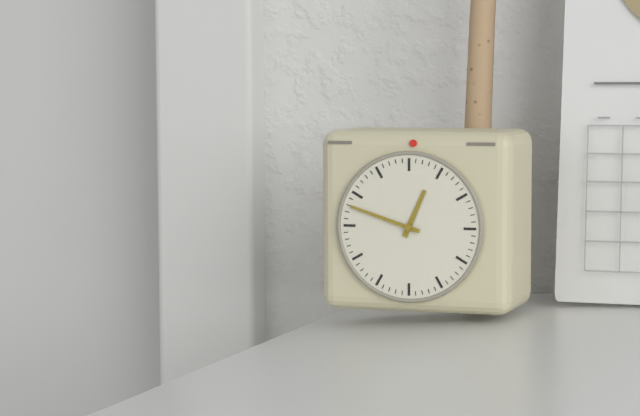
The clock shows h=12 m=48
